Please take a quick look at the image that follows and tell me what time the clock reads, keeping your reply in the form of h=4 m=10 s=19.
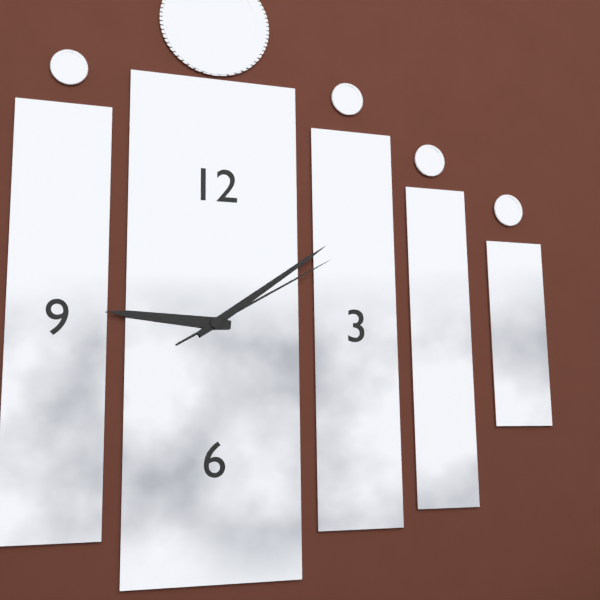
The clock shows h=9 m=9 s=10
